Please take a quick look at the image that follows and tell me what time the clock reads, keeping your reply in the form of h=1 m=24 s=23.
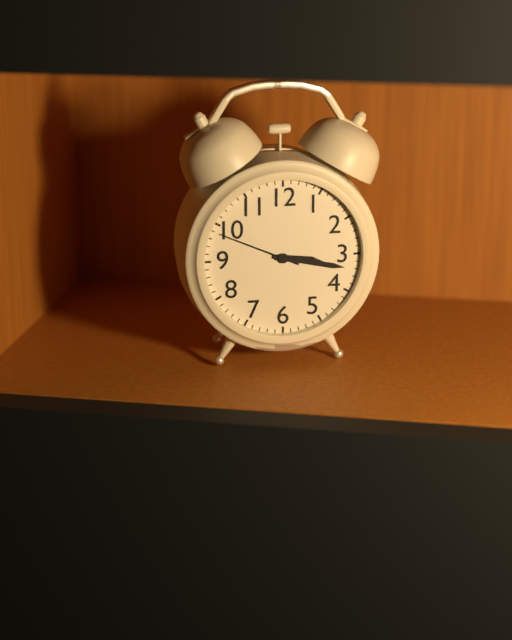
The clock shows h=3 m=17 s=49
